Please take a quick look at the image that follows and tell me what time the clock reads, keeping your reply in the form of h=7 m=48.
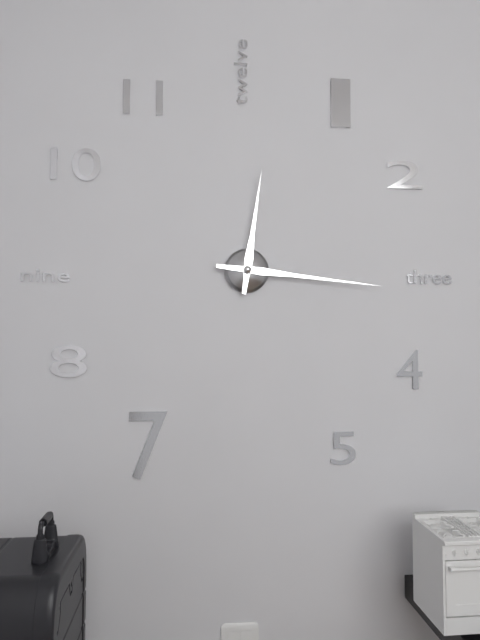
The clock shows h=12 m=16
